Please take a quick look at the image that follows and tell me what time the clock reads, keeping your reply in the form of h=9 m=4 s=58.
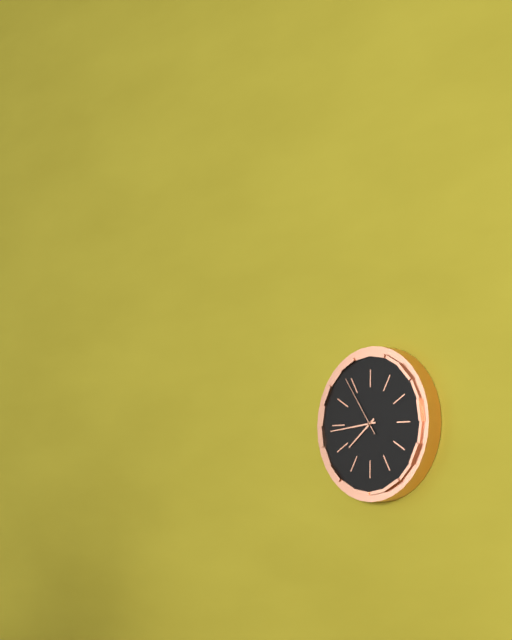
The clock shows h=7 m=44 s=54
